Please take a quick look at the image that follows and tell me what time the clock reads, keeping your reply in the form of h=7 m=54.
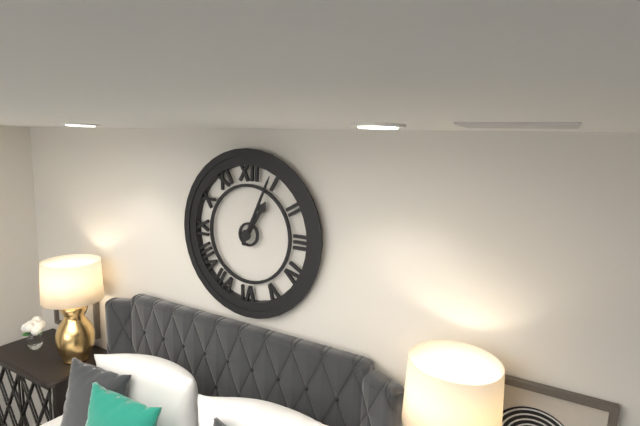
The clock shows h=1 m=4
